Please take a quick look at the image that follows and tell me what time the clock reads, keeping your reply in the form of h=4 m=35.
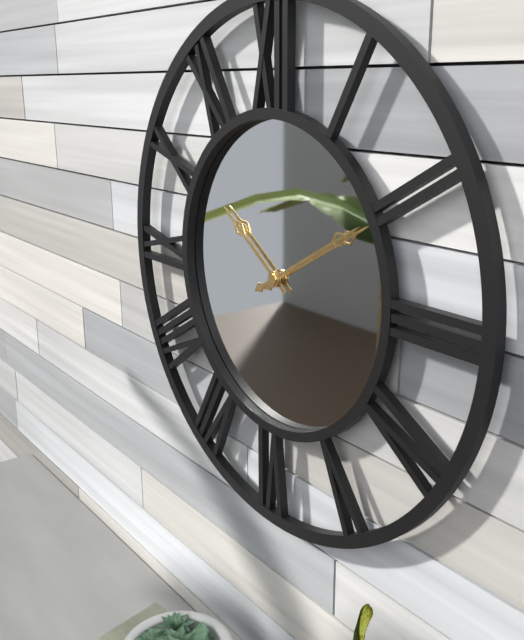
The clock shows h=10 m=10
